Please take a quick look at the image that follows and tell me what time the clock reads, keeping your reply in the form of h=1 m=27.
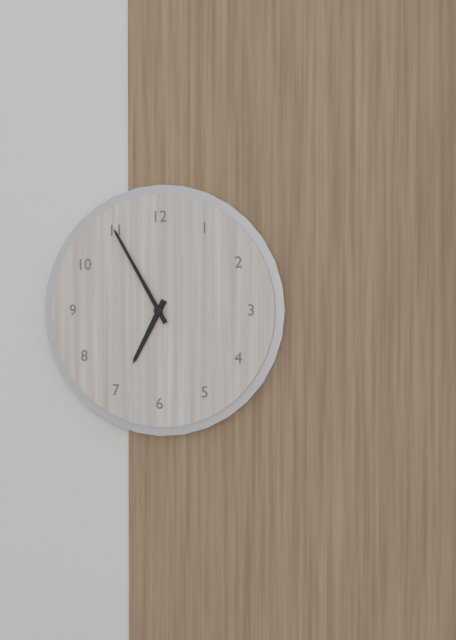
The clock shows h=6 m=55
